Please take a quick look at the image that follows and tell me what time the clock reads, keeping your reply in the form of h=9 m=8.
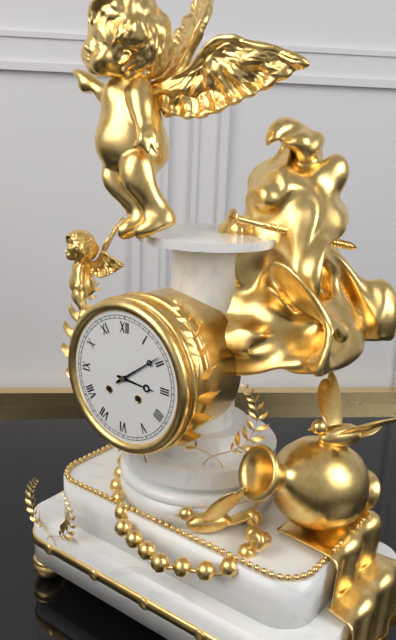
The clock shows h=3 m=9
